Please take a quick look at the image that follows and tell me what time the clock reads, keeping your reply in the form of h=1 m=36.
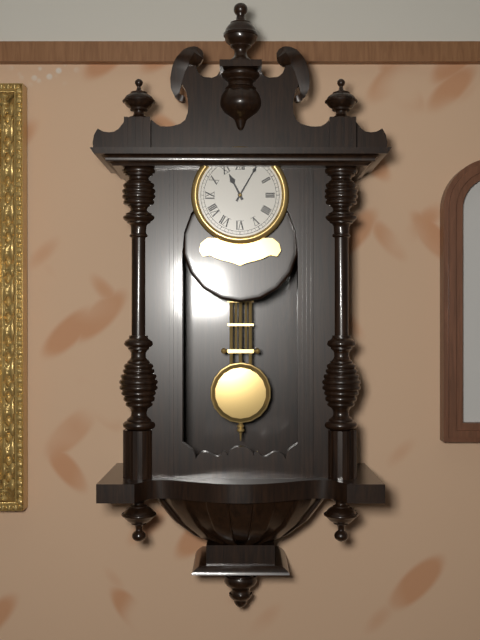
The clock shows h=11 m=5
